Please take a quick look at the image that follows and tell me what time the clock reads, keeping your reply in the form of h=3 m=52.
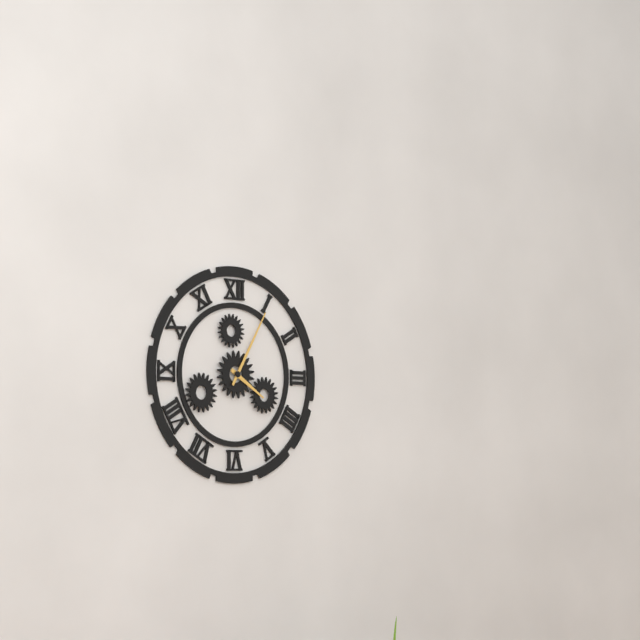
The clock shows h=4 m=5
